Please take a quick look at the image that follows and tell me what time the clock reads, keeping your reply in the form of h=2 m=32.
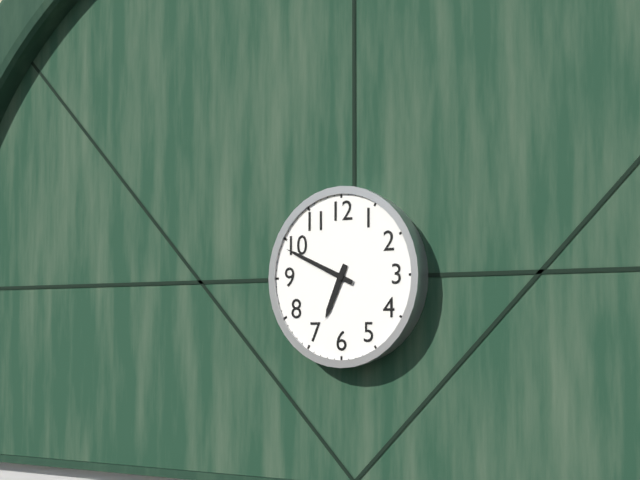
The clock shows h=6 m=49
